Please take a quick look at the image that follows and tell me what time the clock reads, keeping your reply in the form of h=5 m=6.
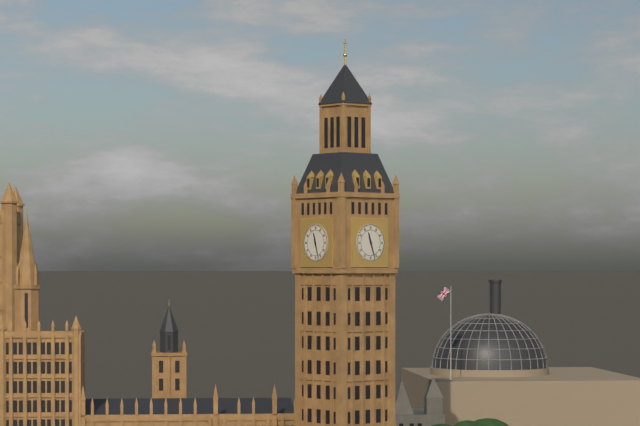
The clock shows h=11 m=27
